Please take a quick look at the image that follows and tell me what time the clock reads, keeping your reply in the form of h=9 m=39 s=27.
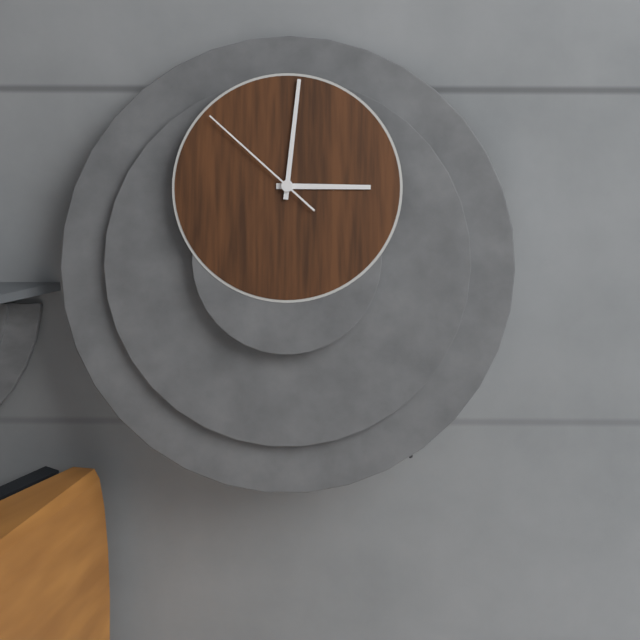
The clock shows h=3 m=1 s=52
